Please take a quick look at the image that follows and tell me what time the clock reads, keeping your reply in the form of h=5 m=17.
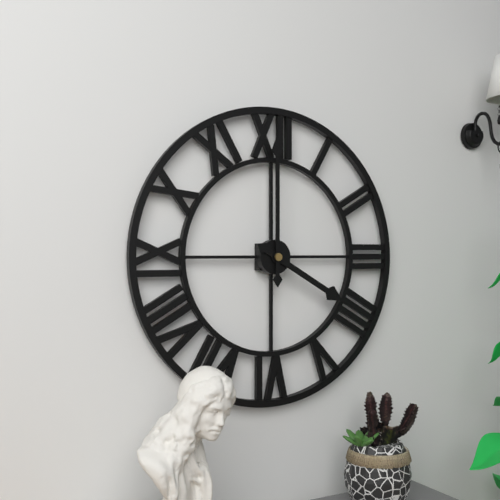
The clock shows h=4 m=0
